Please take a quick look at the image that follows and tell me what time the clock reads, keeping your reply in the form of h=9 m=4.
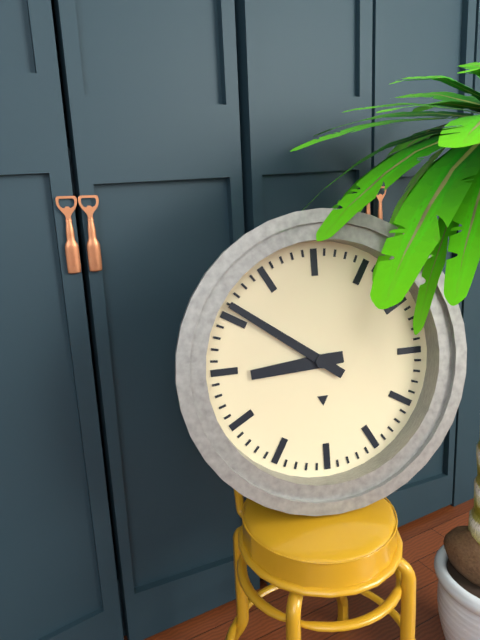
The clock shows h=8 m=51
